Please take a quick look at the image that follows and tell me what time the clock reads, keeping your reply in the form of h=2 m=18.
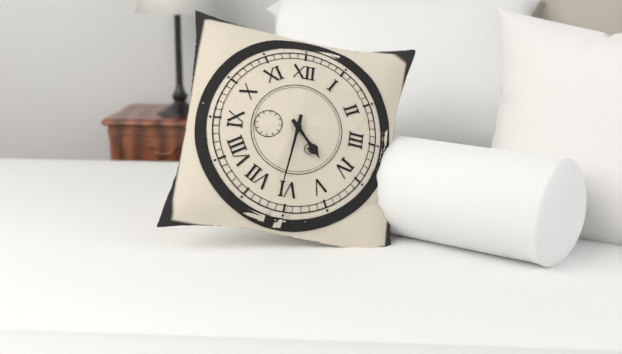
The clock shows h=4 m=31
